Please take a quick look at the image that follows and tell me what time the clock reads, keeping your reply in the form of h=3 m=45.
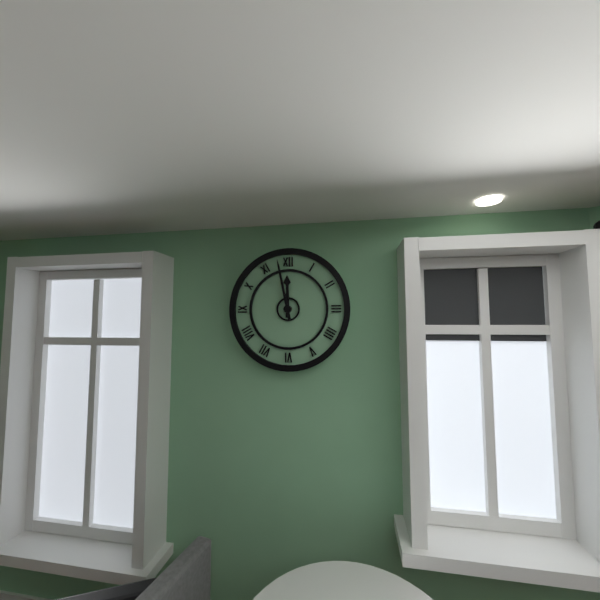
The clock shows h=11 m=58
